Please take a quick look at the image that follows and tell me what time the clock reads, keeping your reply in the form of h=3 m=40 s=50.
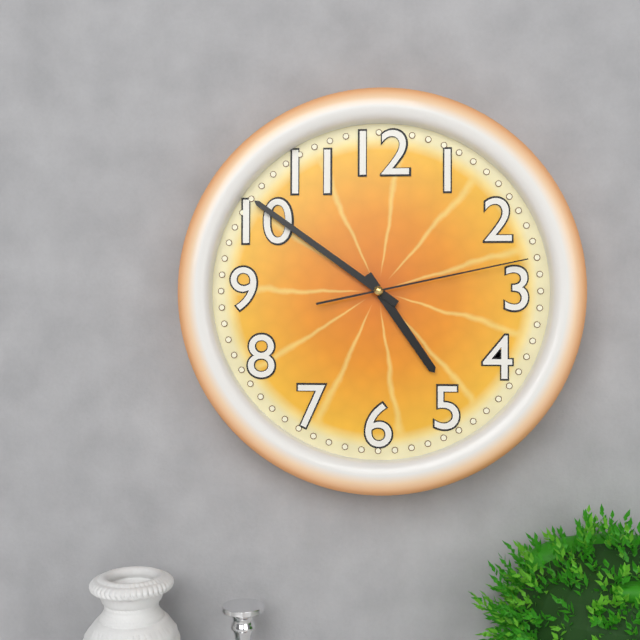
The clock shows h=4 m=51 s=13
